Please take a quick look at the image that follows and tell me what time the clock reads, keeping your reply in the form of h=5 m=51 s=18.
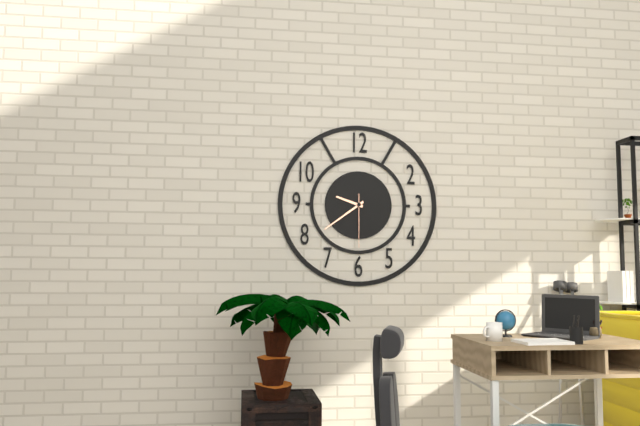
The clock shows h=9 m=39 s=30
